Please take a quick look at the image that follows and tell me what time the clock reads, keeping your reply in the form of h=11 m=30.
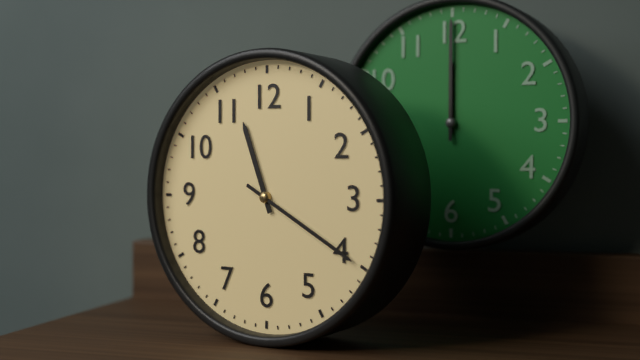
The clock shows h=11 m=20
